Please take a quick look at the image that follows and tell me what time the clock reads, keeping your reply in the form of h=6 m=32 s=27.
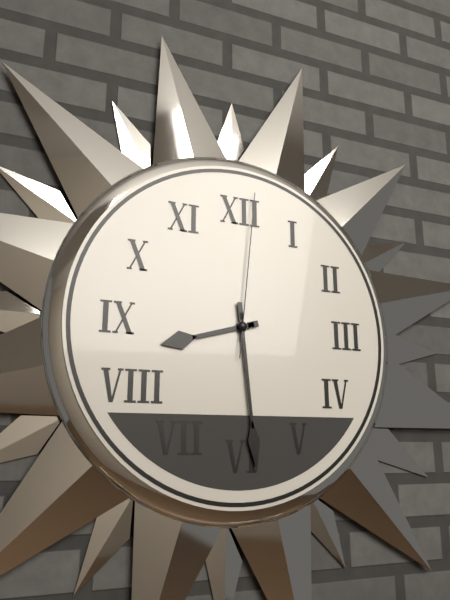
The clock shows h=8 m=29 s=1
